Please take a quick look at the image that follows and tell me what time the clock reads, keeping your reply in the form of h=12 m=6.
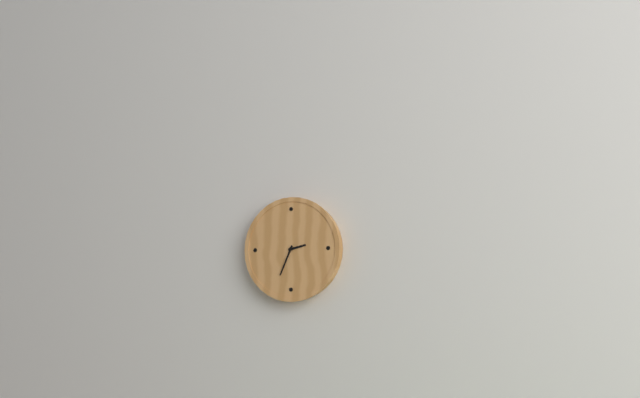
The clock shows h=2 m=34
